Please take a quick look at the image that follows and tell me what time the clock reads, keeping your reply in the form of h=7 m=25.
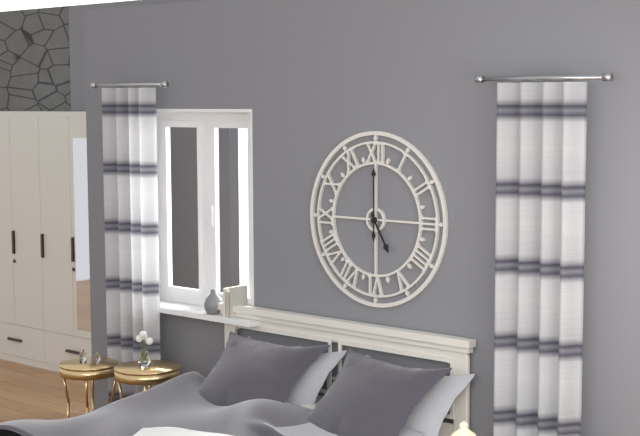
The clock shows h=5 m=0
